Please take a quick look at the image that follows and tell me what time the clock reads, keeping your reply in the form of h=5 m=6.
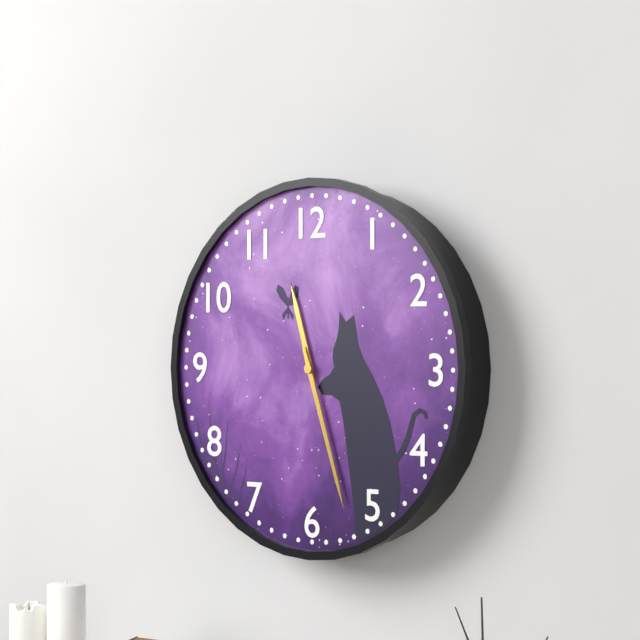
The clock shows h=11 m=27
